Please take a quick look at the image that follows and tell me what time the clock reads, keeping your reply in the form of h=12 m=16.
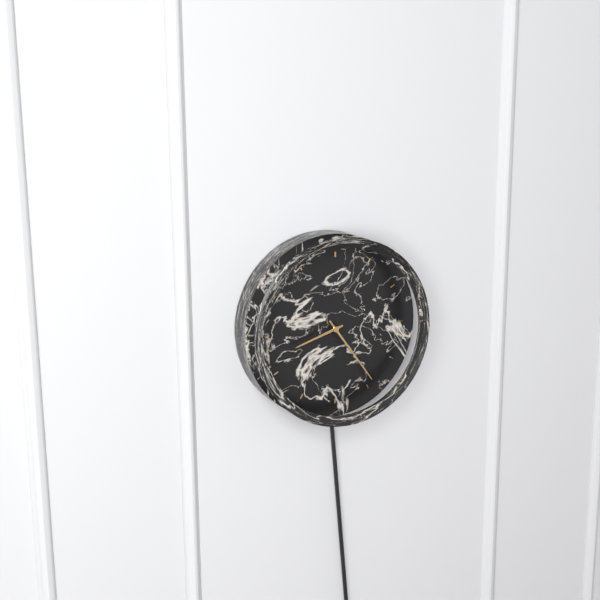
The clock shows h=8 m=24
